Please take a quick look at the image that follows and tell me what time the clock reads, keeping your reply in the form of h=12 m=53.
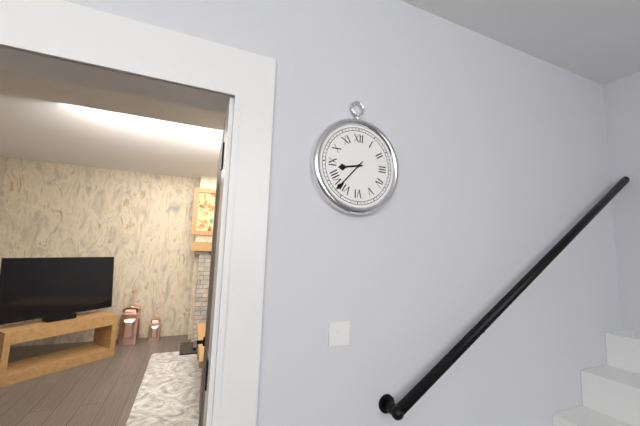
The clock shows h=8 m=37
